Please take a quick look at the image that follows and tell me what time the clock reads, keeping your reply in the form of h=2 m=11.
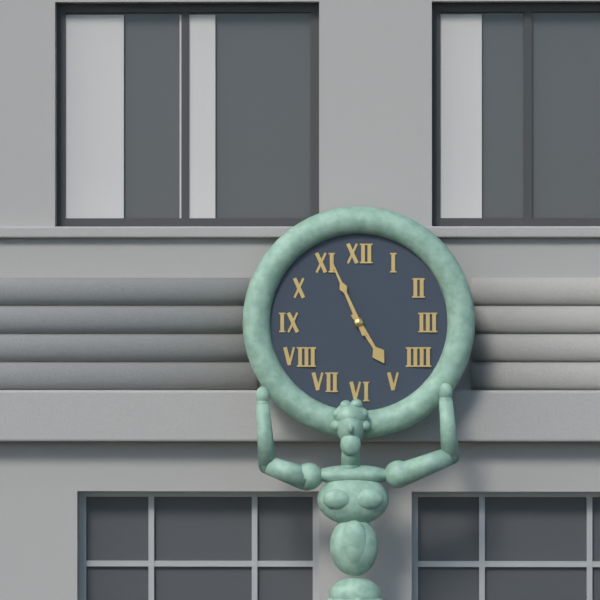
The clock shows h=4 m=56
